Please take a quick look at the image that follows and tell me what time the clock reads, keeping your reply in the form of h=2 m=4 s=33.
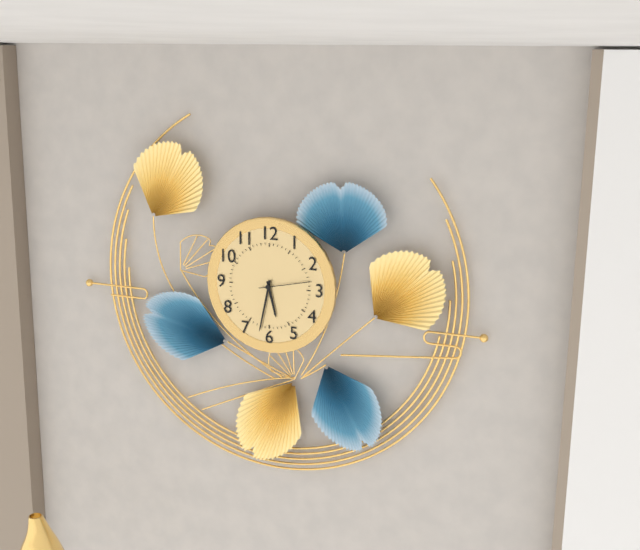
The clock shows h=5 m=32 s=13
